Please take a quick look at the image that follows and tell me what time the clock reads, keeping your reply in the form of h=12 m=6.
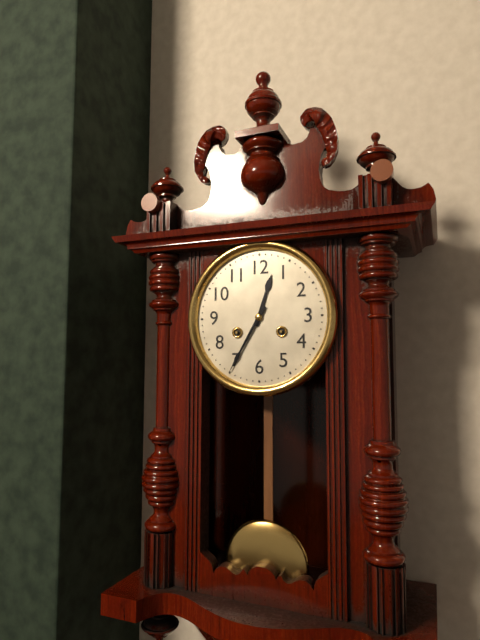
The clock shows h=12 m=35
